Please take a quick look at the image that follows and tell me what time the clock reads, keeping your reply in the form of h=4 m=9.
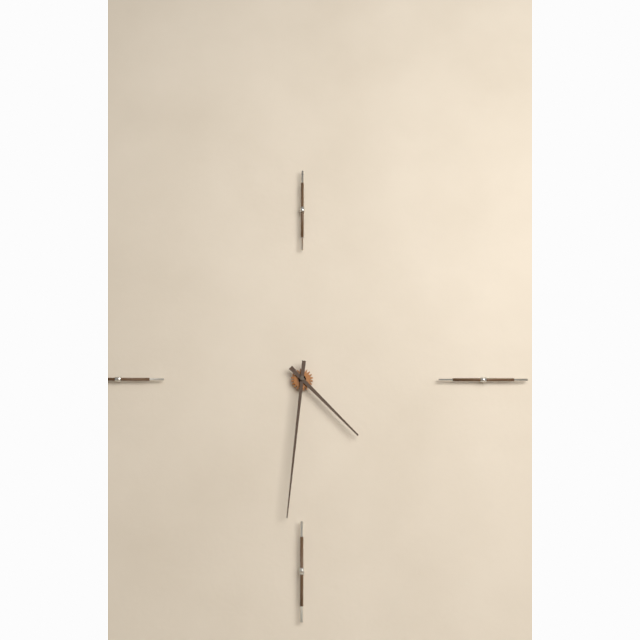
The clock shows h=4 m=31
